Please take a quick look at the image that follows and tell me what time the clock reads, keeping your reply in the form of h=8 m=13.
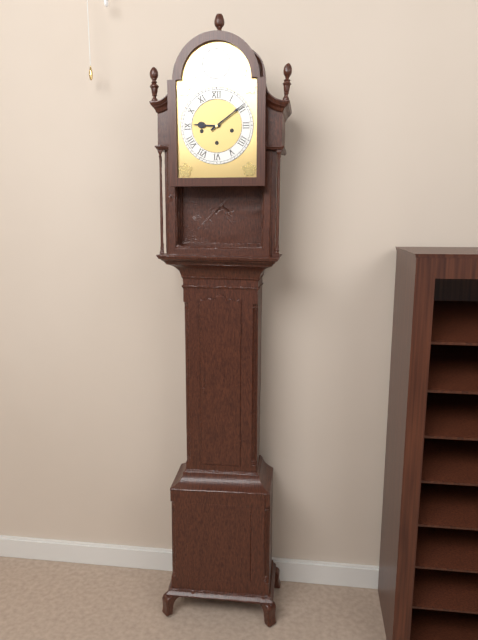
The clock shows h=9 m=9
